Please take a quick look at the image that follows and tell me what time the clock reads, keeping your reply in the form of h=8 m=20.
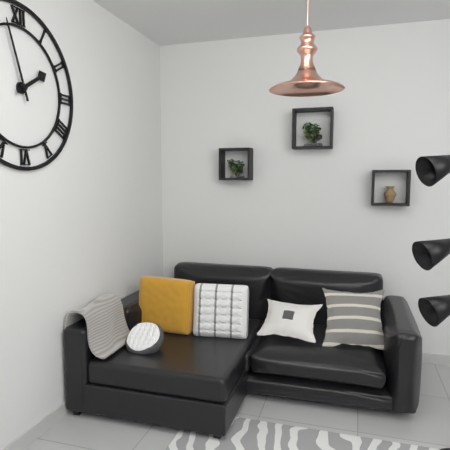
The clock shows h=1 m=57
